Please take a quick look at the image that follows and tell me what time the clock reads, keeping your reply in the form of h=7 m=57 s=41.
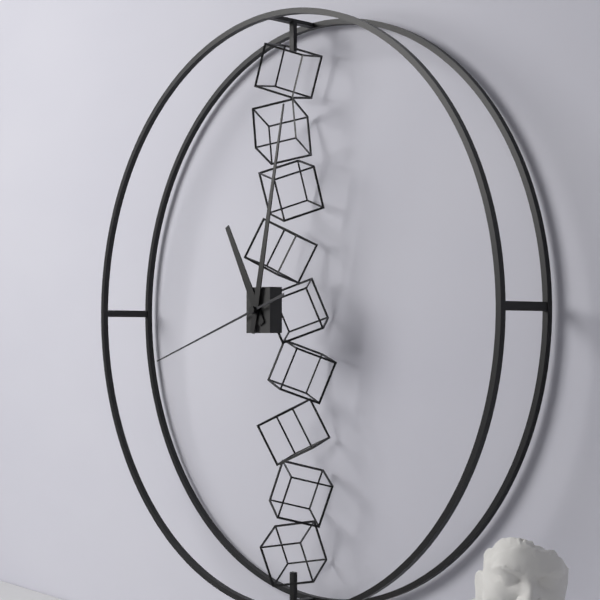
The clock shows h=11 m=2 s=42
